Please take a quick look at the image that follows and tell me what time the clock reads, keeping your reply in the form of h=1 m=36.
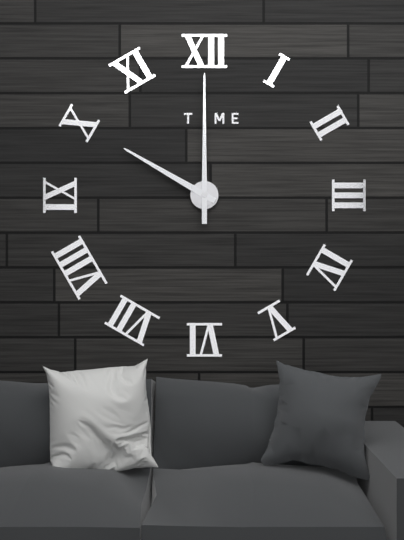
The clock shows h=10 m=0
